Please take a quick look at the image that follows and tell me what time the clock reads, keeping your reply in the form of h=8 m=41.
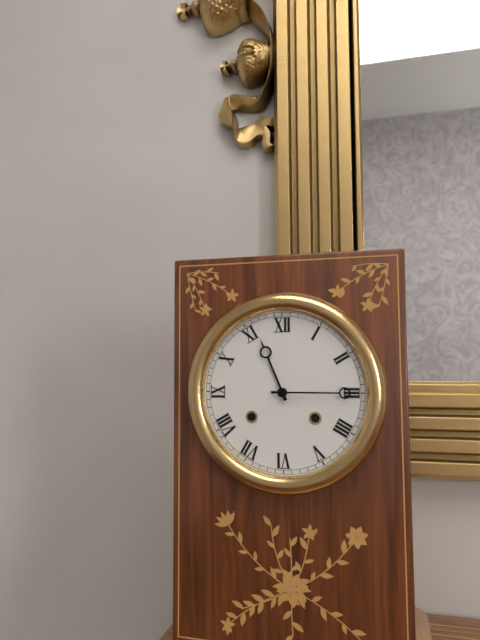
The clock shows h=11 m=15
